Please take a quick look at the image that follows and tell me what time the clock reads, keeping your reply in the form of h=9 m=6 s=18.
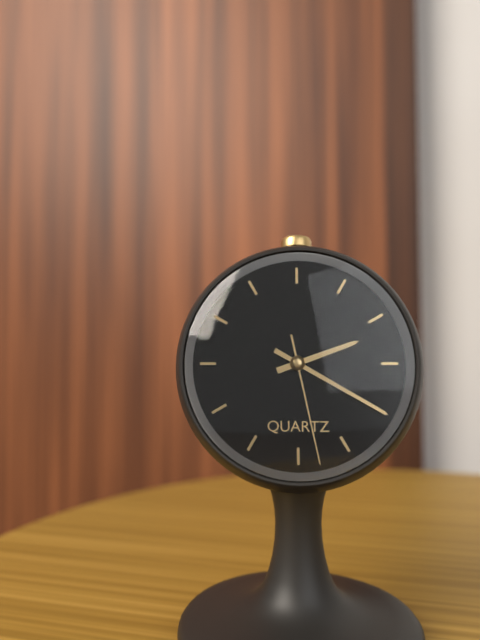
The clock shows h=2 m=20 s=28
